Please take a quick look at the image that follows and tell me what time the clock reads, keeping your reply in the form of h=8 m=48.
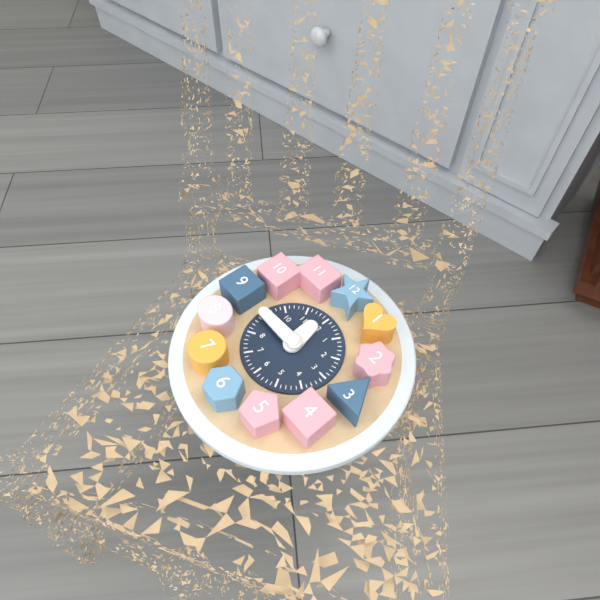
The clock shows h=11 m=45
